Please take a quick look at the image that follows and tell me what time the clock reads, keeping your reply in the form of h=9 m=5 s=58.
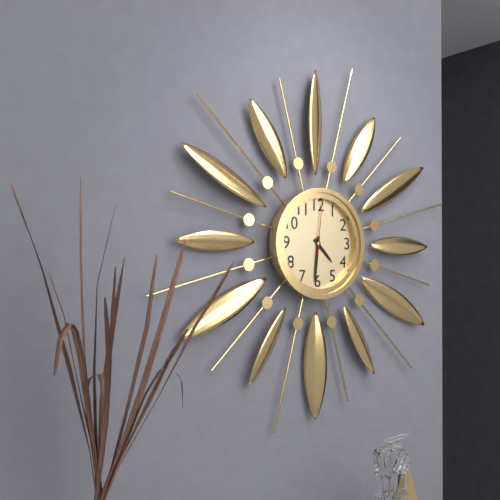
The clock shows h=4 m=31 s=1
